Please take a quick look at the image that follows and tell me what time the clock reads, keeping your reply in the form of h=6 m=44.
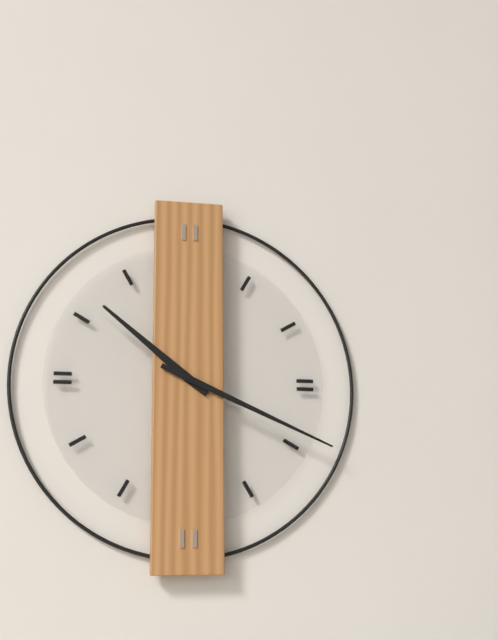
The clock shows h=10 m=19
